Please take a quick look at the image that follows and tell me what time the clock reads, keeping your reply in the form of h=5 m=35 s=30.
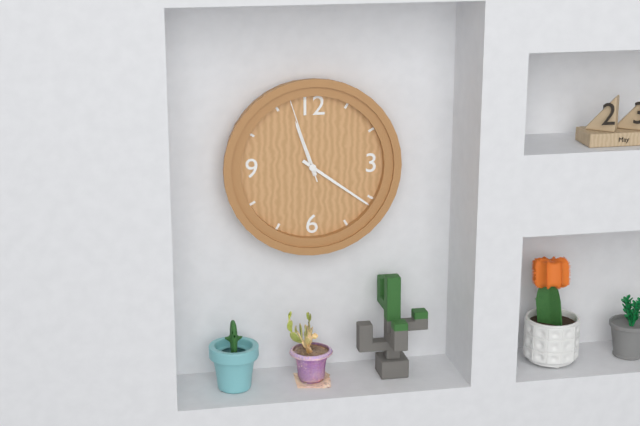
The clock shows h=11 m=21 s=57
